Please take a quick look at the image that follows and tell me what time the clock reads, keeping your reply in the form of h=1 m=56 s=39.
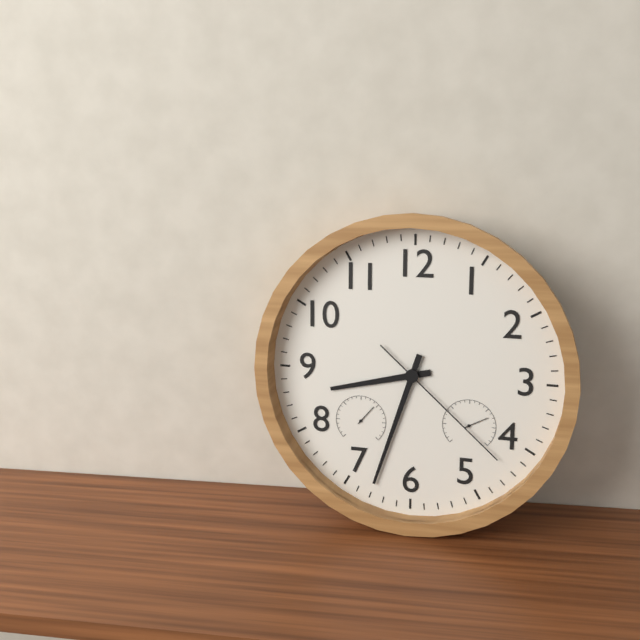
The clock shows h=8 m=33 s=22
